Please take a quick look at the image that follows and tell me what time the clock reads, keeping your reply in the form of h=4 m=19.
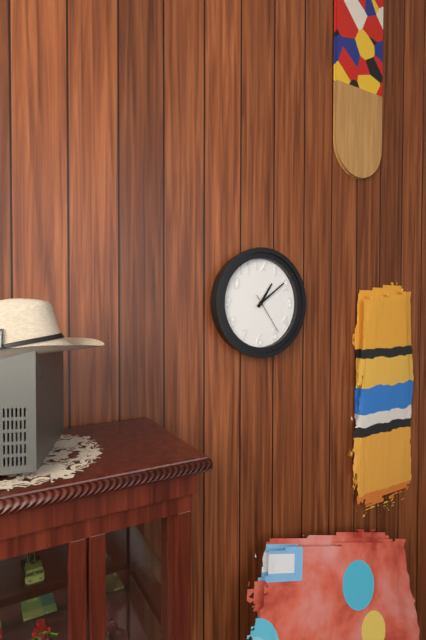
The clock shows h=1 m=9
